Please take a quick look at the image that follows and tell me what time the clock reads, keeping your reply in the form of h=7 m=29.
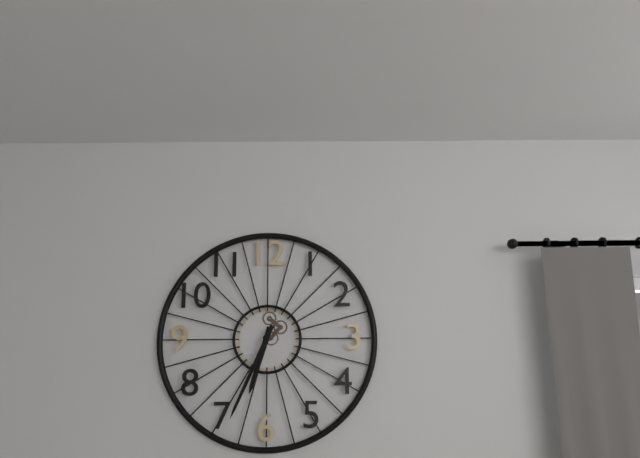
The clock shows h=6 m=34
